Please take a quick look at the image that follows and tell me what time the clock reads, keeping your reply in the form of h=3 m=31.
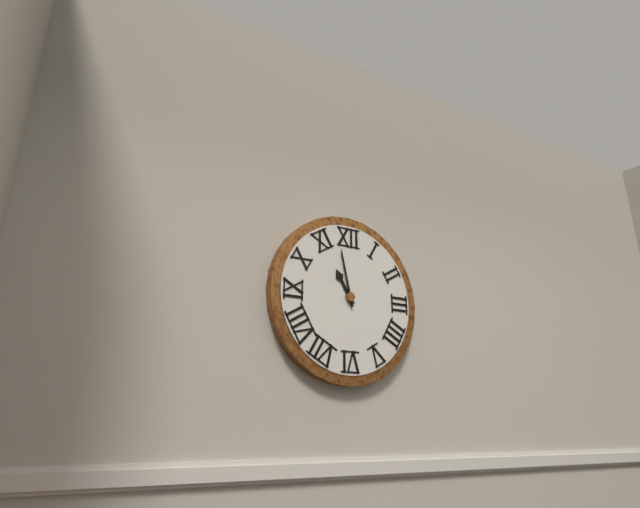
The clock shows h=10 m=58
